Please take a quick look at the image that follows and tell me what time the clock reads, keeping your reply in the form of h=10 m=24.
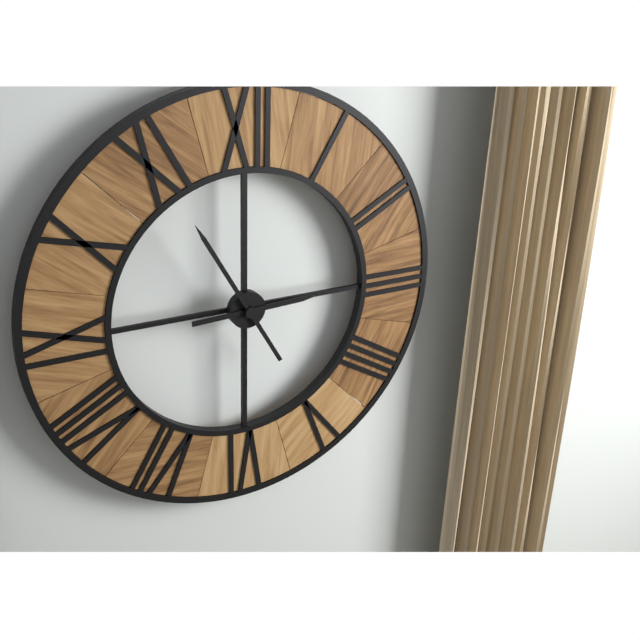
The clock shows h=2 m=55
